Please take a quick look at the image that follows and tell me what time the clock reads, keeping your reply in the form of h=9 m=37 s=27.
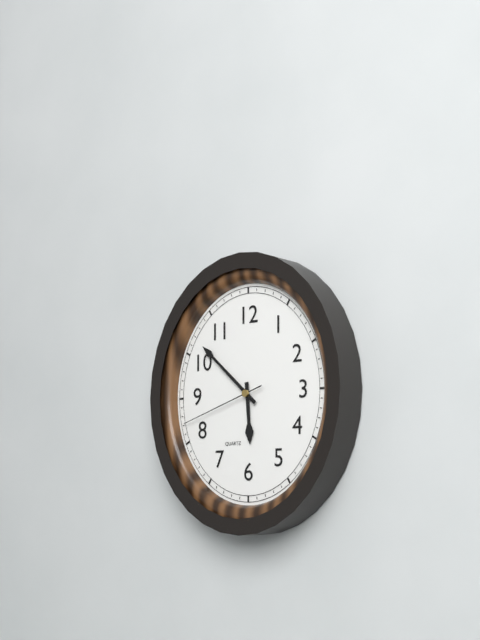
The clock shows h=5 m=52 s=42
